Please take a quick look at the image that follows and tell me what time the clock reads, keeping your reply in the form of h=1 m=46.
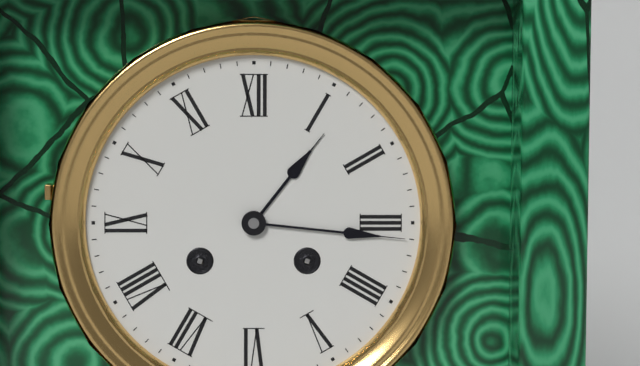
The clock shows h=1 m=16
